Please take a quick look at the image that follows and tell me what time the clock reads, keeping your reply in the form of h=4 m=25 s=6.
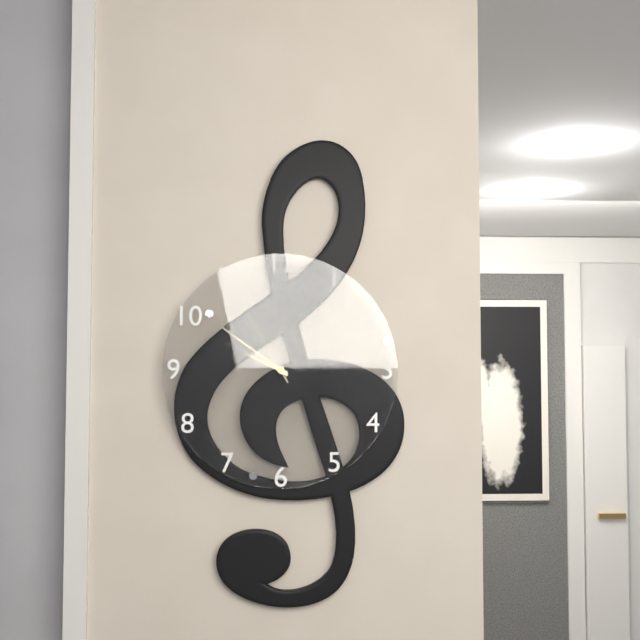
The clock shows h=9 m=51 s=55
